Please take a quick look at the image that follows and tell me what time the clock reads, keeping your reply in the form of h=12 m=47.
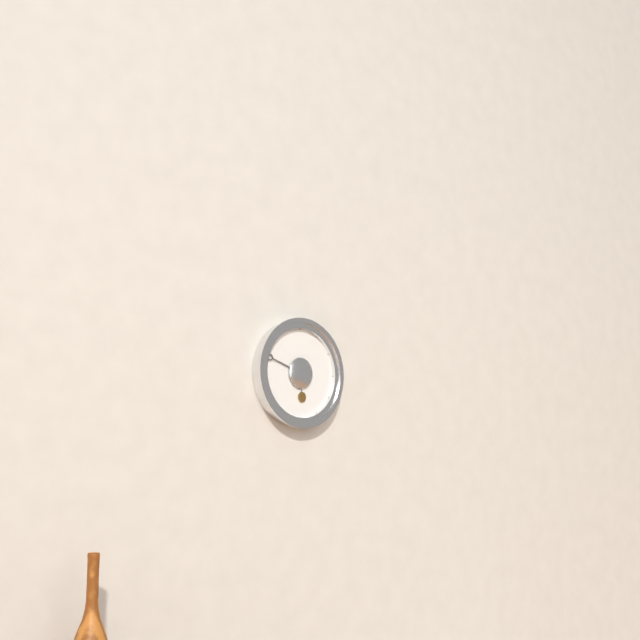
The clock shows h=5 m=48
